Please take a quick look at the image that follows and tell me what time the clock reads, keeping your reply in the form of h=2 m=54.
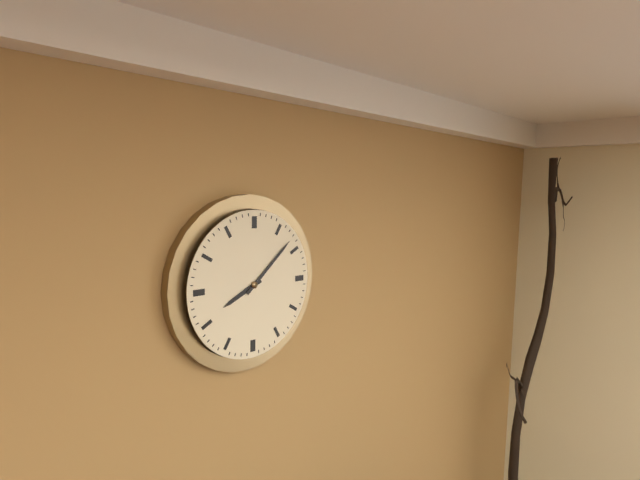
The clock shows h=8 m=8
